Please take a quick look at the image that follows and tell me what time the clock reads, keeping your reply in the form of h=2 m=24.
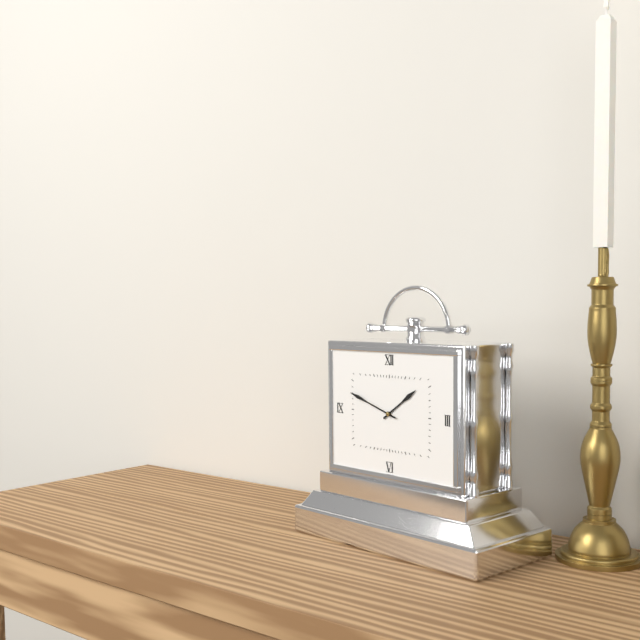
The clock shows h=1 m=48
